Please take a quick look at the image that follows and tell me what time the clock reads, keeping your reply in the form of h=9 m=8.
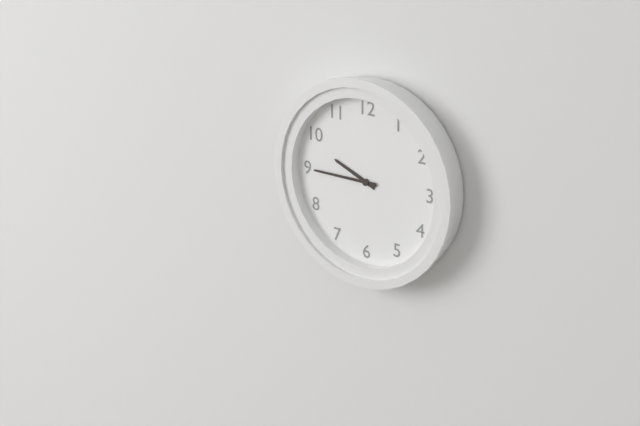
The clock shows h=9 m=45
